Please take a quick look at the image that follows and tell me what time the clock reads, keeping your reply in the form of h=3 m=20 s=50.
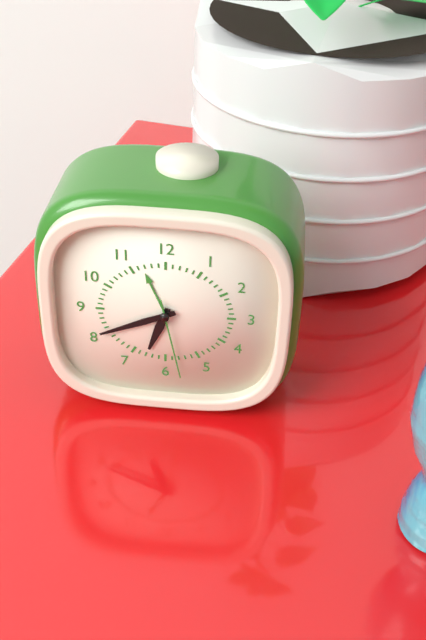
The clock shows h=6 m=41 s=28
